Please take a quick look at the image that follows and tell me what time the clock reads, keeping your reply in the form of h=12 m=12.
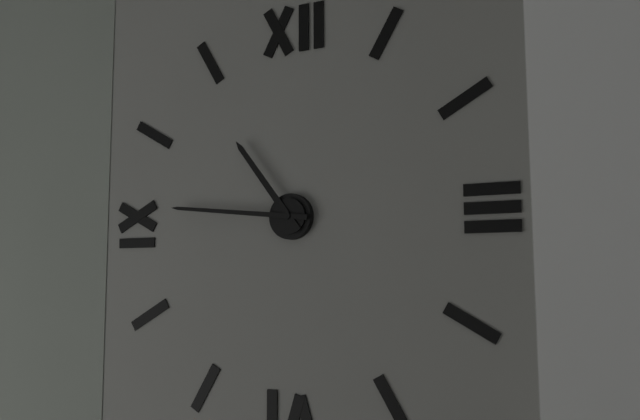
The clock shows h=10 m=46
